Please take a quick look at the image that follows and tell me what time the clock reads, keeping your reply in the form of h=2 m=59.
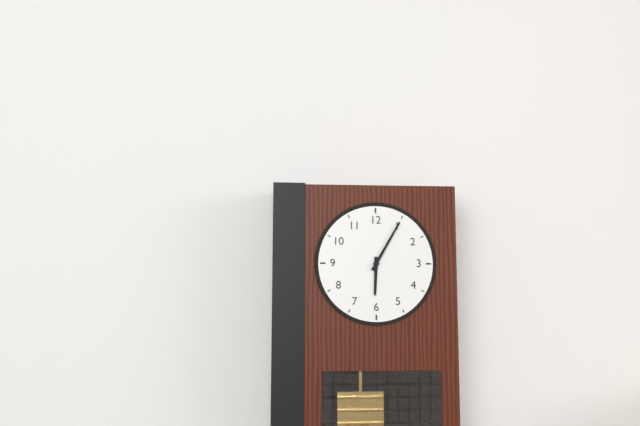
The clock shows h=6 m=5
